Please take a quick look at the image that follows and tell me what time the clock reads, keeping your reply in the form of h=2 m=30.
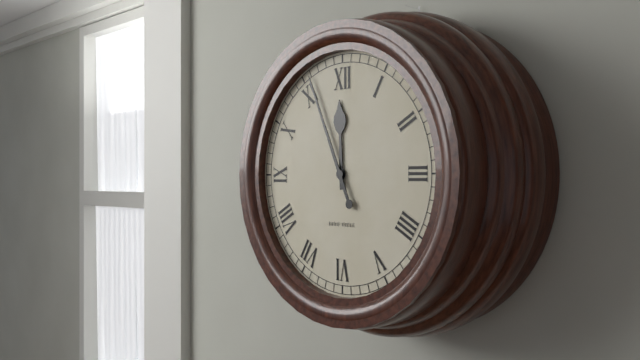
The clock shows h=11 m=56
